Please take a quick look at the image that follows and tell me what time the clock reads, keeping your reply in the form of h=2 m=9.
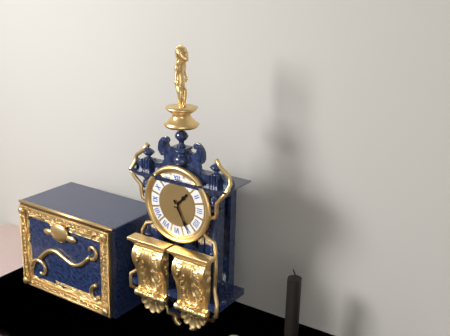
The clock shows h=1 m=25
